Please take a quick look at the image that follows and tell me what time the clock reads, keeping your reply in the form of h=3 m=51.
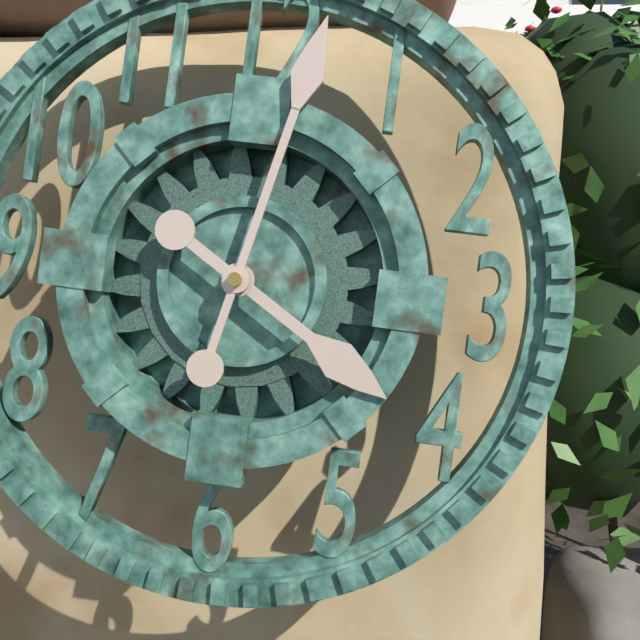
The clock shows h=4 m=2
